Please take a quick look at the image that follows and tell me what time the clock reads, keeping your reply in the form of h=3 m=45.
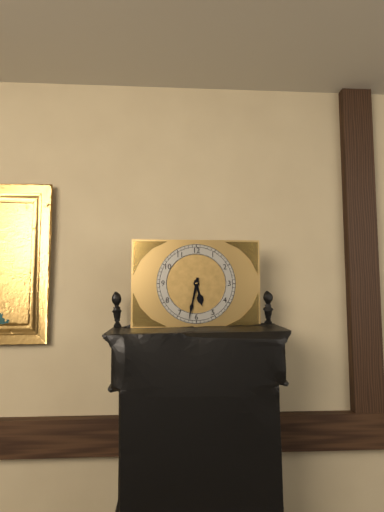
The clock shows h=5 m=32
